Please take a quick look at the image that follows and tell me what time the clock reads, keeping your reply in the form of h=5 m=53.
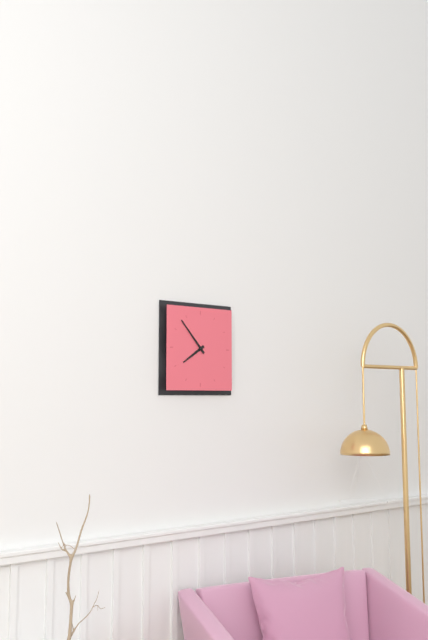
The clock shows h=7 m=53
